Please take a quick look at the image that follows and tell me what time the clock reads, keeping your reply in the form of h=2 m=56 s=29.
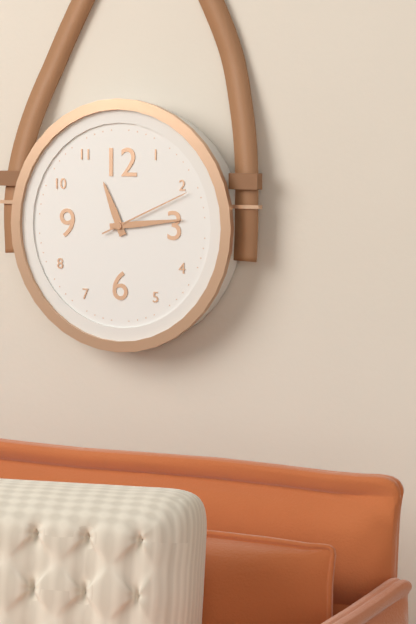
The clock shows h=11 m=14 s=11
